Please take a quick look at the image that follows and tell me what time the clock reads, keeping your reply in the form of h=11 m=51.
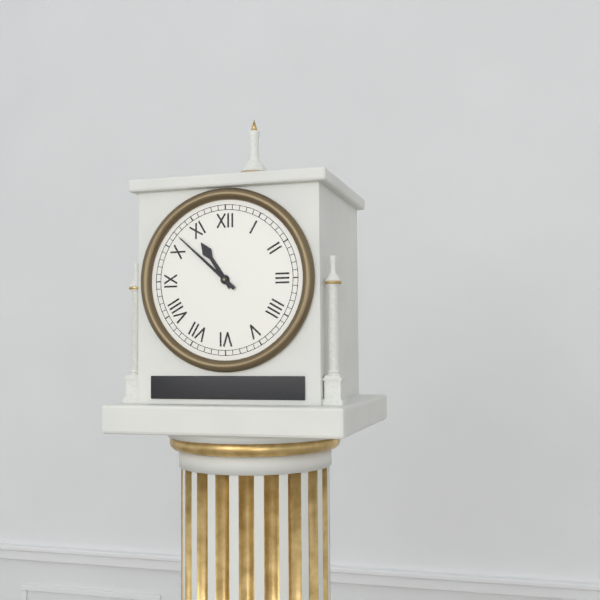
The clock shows h=10 m=52
